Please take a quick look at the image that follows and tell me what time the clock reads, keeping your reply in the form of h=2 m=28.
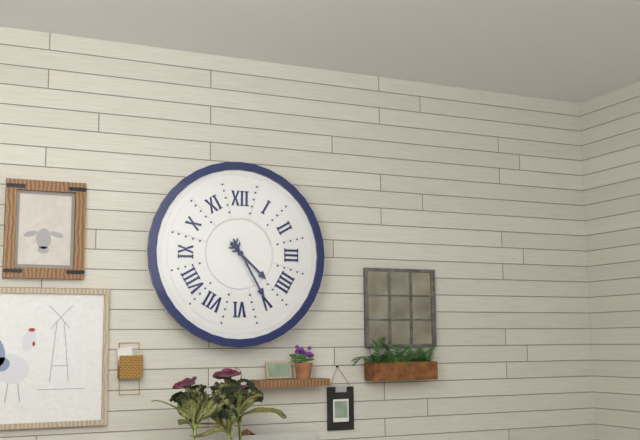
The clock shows h=4 m=25
